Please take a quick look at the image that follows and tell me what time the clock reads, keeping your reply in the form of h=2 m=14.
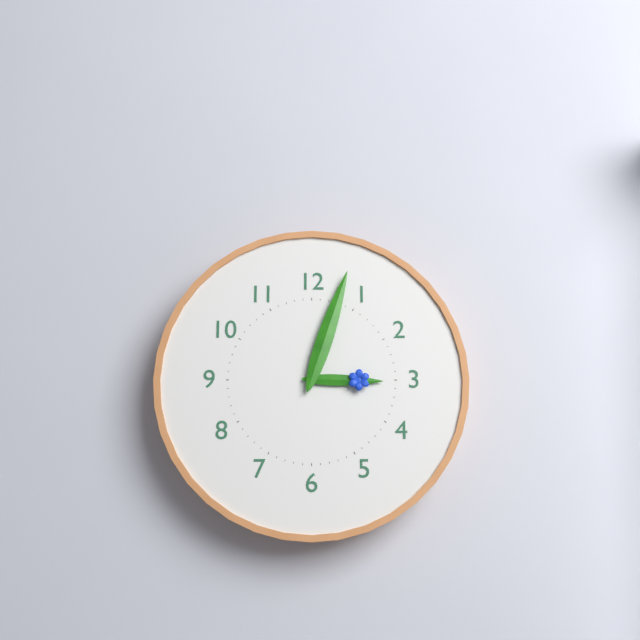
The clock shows h=3 m=3
